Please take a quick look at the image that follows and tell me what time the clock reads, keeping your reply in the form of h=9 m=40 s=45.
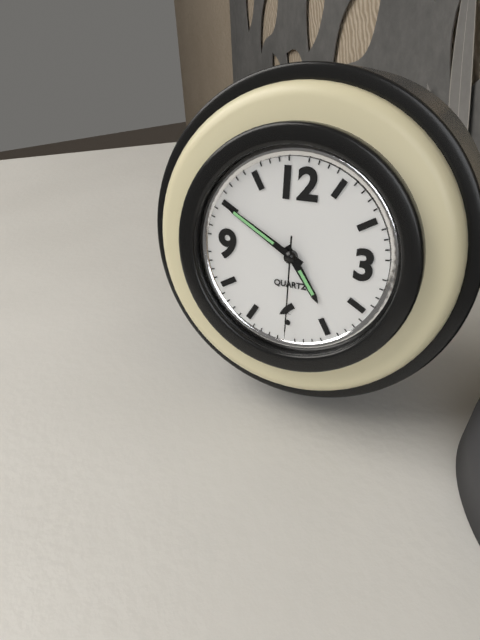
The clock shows h=4 m=50 s=30
